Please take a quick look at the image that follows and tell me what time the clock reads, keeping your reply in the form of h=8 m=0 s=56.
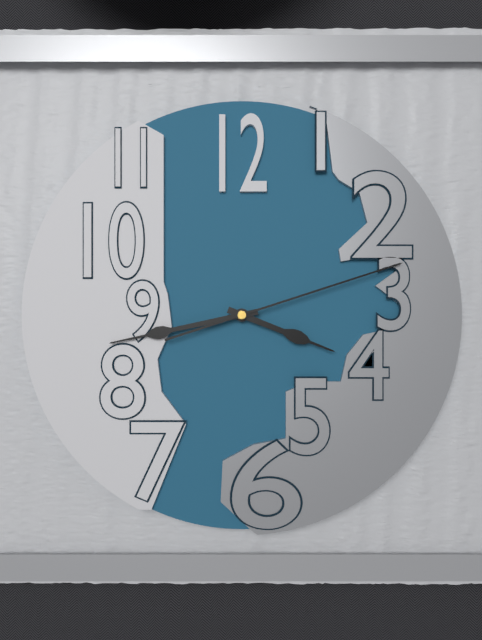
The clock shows h=3 m=43 s=12
